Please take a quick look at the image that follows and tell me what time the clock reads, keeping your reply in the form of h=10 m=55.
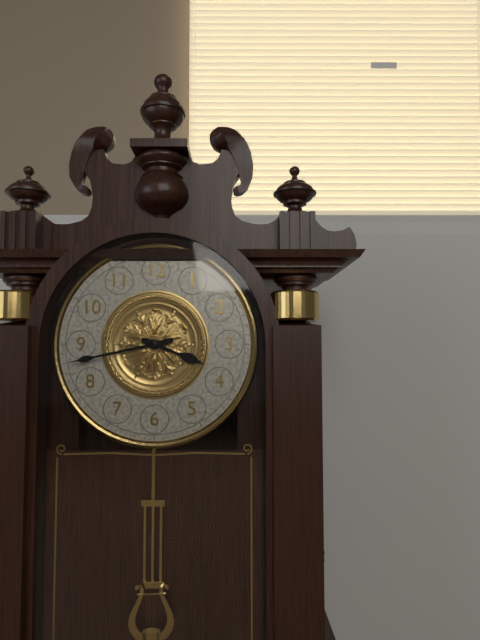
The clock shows h=3 m=43
